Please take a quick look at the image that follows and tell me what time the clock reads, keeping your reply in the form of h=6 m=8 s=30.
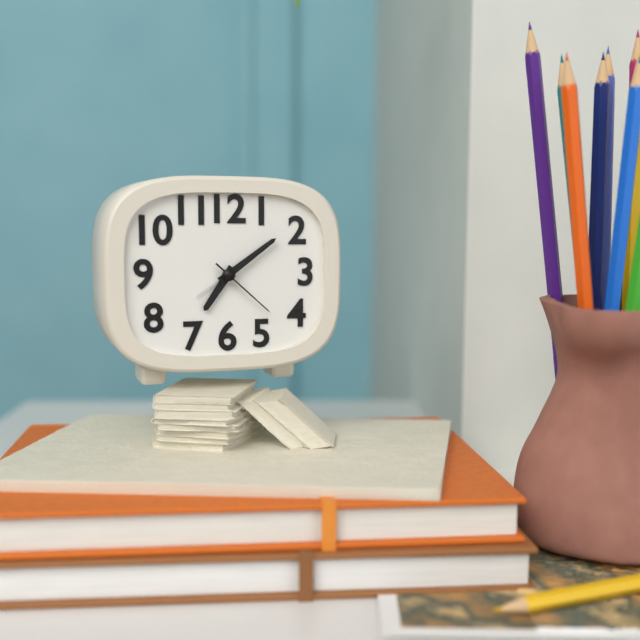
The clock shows h=7 m=9 s=22
